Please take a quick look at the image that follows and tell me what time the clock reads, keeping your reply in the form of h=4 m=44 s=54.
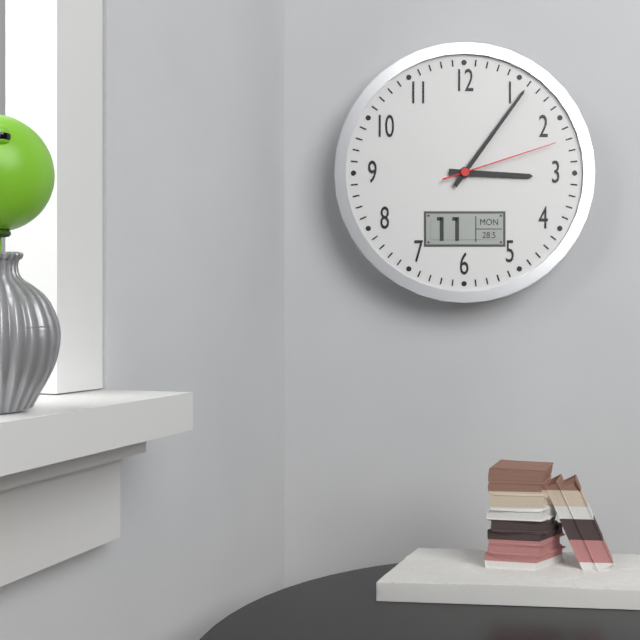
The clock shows h=3 m=6 s=12
